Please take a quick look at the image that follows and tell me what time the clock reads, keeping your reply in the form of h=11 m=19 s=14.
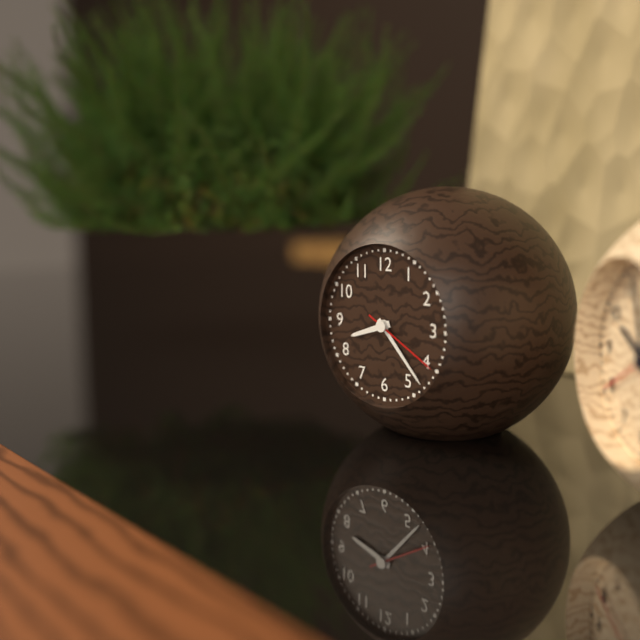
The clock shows h=8 m=23 s=20
